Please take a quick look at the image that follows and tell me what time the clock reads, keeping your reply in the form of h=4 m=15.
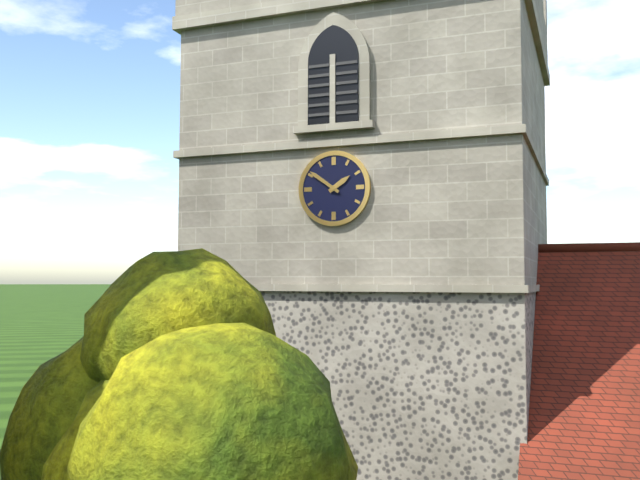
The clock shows h=1 m=51
